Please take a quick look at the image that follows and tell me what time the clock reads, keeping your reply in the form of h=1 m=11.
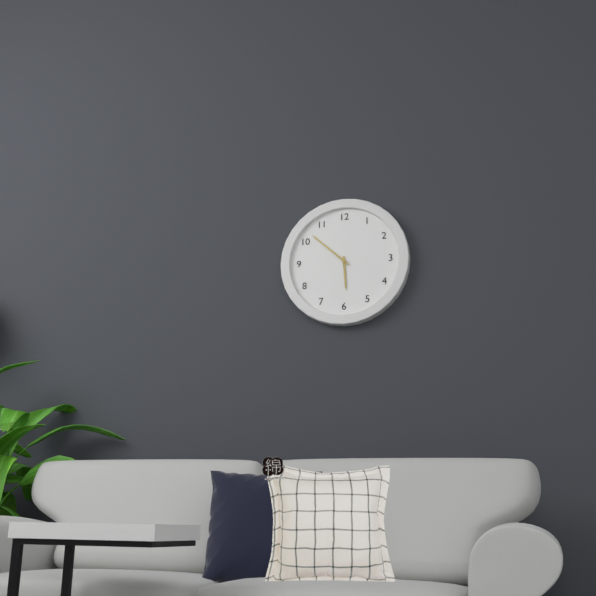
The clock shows h=5 m=52
